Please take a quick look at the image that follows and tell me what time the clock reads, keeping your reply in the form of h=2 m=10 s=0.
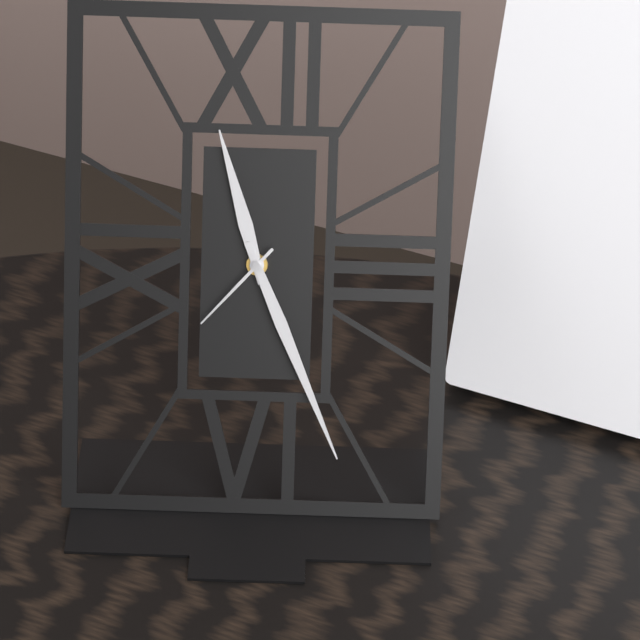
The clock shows h=11 m=26 s=37
